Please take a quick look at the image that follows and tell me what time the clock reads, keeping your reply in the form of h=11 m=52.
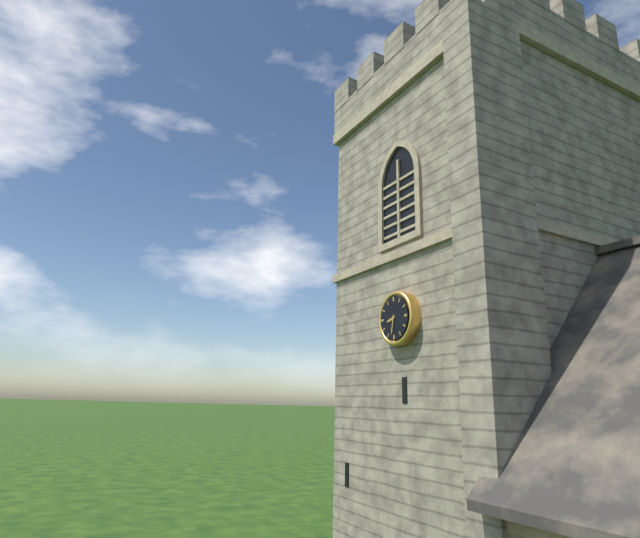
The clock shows h=8 m=32
